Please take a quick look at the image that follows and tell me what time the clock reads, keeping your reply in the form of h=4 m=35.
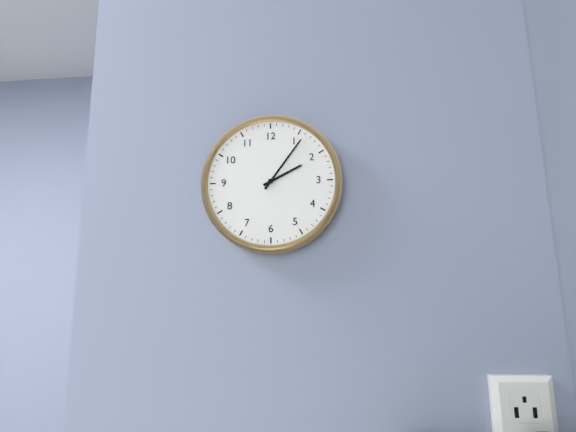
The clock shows h=2 m=6
